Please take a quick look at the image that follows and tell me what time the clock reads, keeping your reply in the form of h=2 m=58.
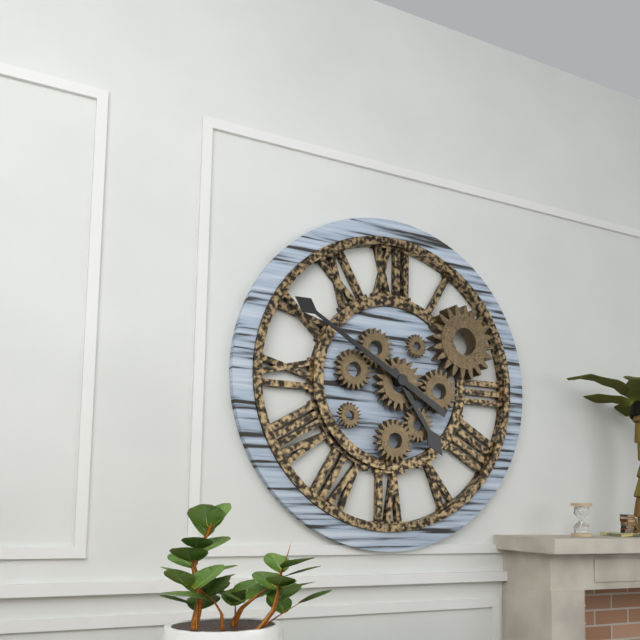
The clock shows h=4 m=50
